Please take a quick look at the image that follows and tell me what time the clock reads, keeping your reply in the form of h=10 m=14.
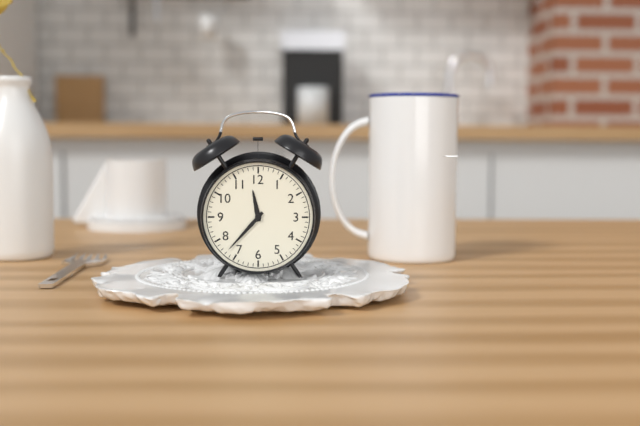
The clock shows h=11 m=37
